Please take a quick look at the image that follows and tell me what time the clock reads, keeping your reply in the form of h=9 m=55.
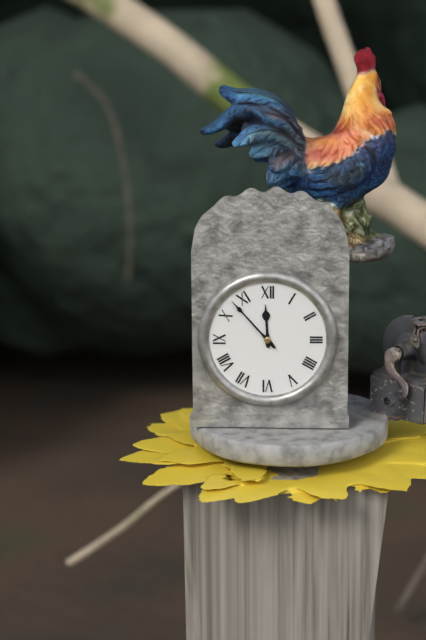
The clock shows h=11 m=53
